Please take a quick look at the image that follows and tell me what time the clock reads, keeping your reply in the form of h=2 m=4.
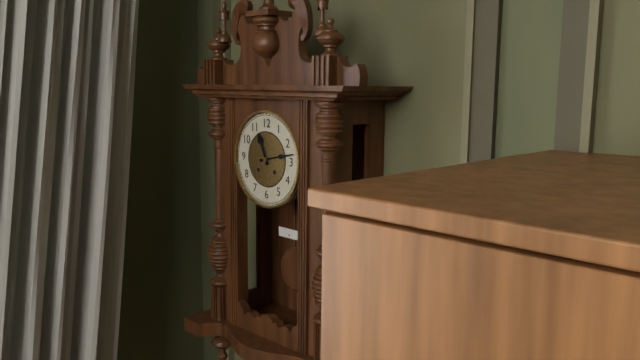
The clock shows h=11 m=13
